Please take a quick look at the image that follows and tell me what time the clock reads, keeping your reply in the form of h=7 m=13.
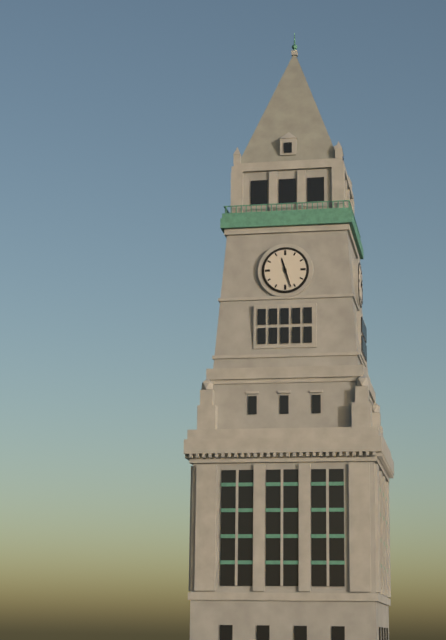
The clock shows h=11 m=27
